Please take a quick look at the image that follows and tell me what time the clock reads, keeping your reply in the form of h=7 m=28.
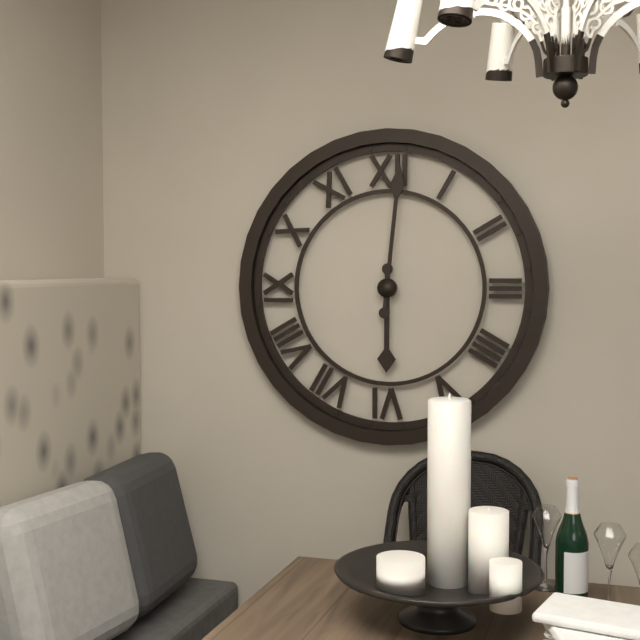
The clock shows h=6 m=1
